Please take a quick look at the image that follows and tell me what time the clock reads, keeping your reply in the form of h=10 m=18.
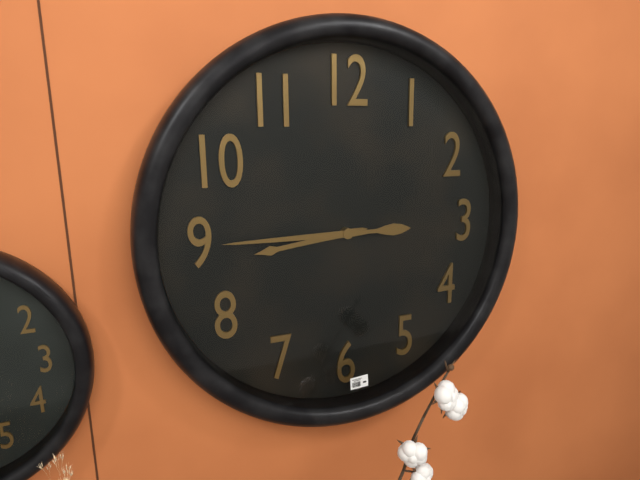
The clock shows h=8 m=45
